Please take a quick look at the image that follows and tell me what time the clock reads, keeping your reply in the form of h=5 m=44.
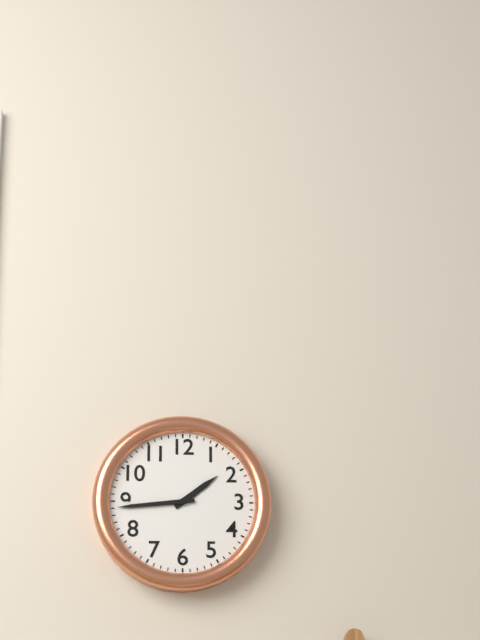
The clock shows h=1 m=44
